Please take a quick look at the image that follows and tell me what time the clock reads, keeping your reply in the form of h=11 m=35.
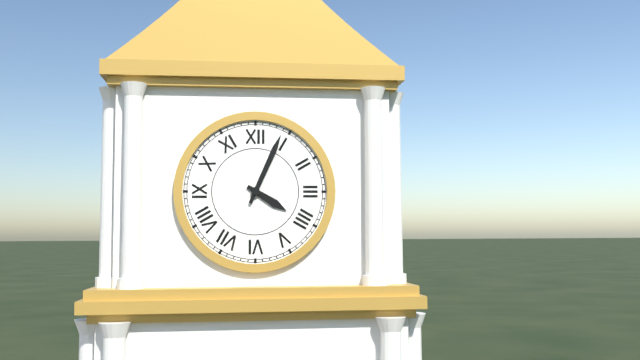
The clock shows h=4 m=4
